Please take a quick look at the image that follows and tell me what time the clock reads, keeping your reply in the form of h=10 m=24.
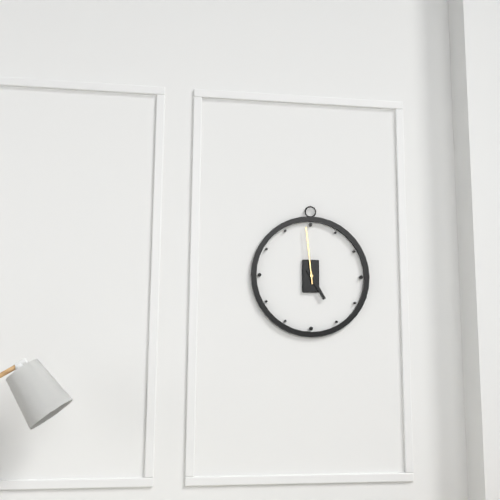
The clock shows h=4 m=59
